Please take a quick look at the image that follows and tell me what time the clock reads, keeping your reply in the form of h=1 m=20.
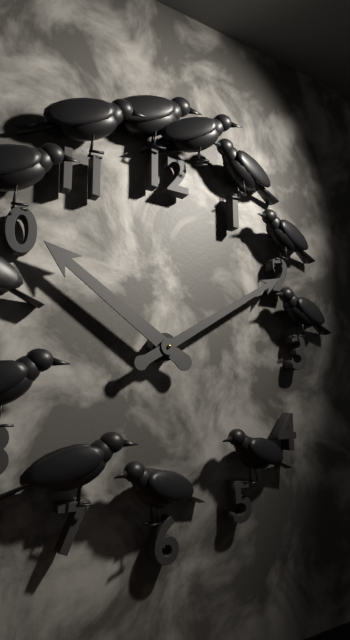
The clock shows h=10 m=10
